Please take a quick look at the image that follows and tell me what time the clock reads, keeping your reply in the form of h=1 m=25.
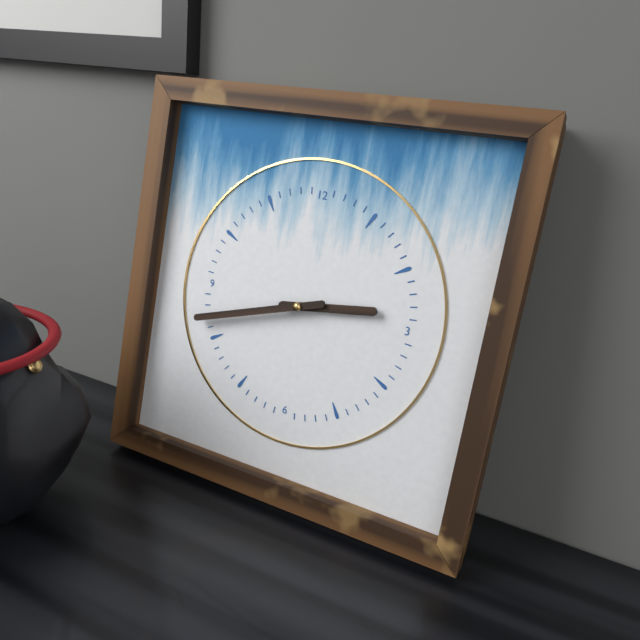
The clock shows h=2 m=42
